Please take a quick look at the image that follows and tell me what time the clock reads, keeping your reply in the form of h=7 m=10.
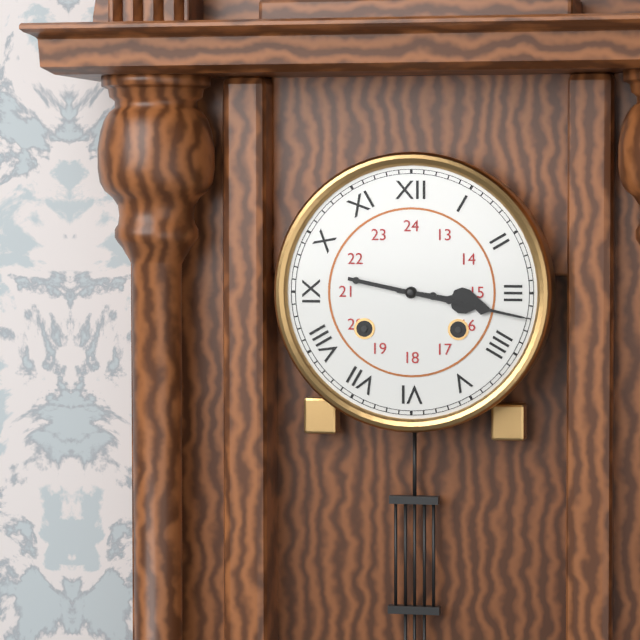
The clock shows h=3 m=17
